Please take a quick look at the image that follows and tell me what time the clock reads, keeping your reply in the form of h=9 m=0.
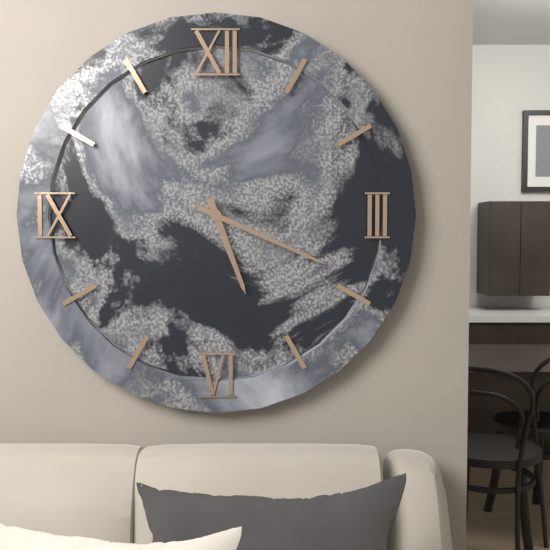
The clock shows h=5 m=19
